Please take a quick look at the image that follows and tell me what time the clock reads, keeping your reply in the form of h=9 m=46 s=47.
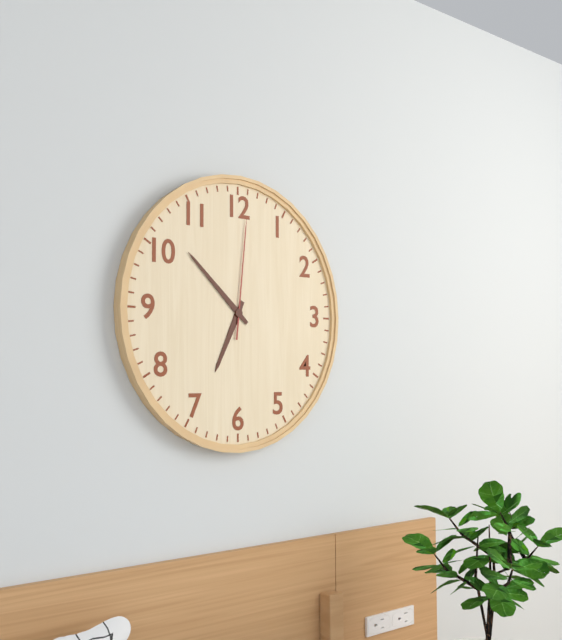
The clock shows h=6 m=52 s=1
